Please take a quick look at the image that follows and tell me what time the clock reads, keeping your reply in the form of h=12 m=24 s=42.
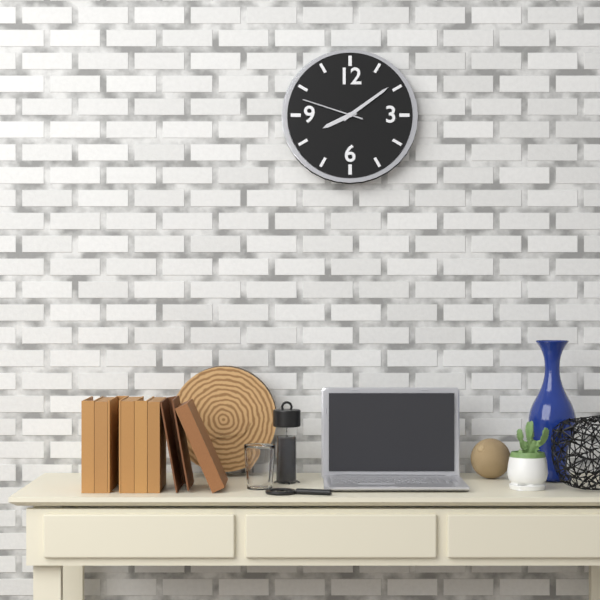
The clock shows h=8 m=9 s=48
